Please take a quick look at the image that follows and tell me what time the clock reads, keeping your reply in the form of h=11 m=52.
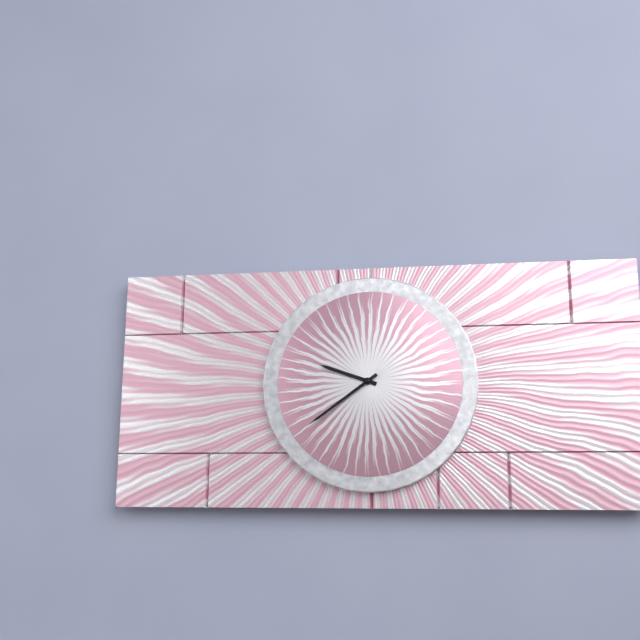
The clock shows h=9 m=39
